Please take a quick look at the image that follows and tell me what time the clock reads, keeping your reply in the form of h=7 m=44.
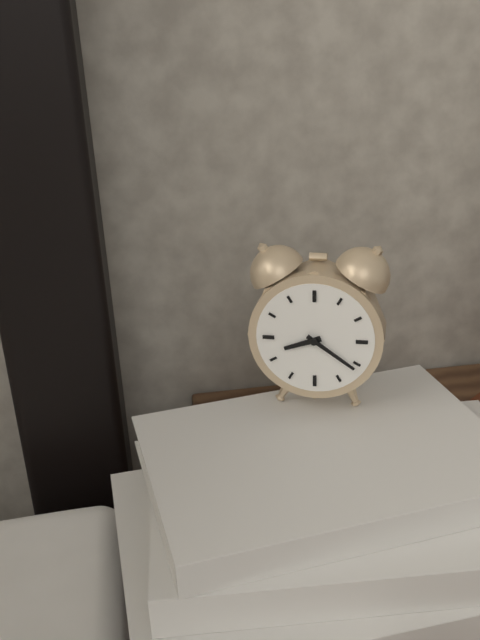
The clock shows h=8 m=21
